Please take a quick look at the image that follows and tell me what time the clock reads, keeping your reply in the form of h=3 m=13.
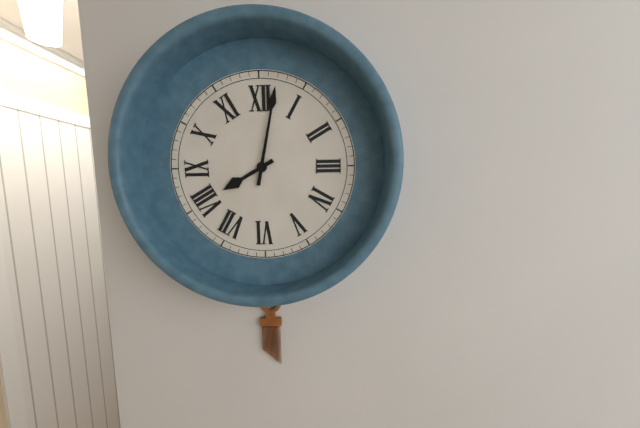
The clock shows h=8 m=2
